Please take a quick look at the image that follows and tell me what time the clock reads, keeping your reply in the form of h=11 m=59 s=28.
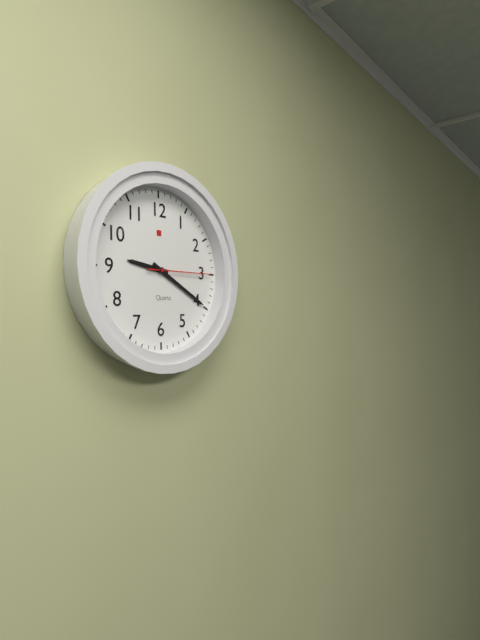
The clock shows h=9 m=20 s=15
